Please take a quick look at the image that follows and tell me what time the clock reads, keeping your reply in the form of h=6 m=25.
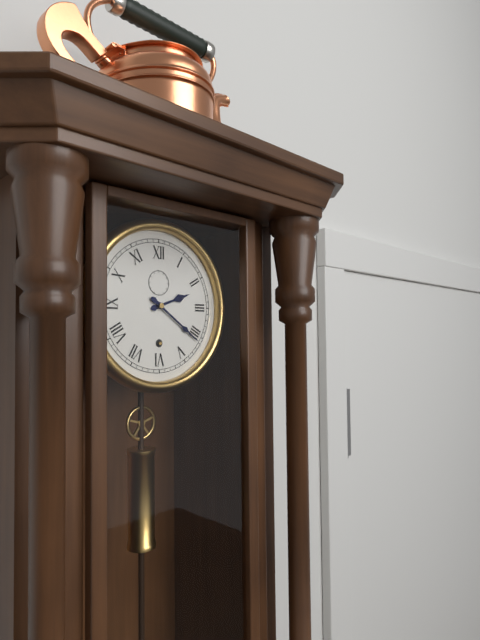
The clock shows h=2 m=21
